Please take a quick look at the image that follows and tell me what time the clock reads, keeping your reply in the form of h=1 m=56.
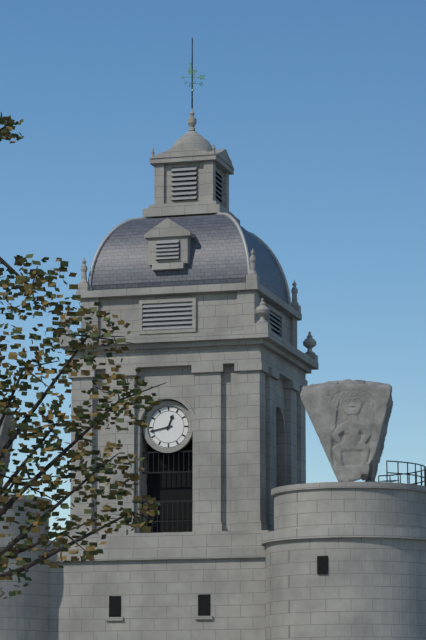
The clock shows h=12 m=43
